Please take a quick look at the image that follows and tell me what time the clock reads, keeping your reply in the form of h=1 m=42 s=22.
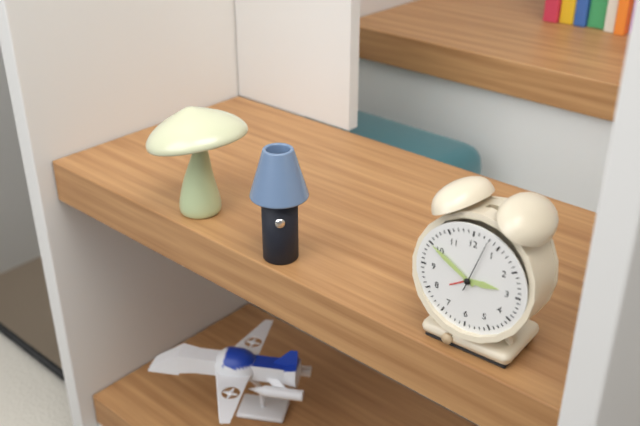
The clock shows h=2 m=50 s=3
